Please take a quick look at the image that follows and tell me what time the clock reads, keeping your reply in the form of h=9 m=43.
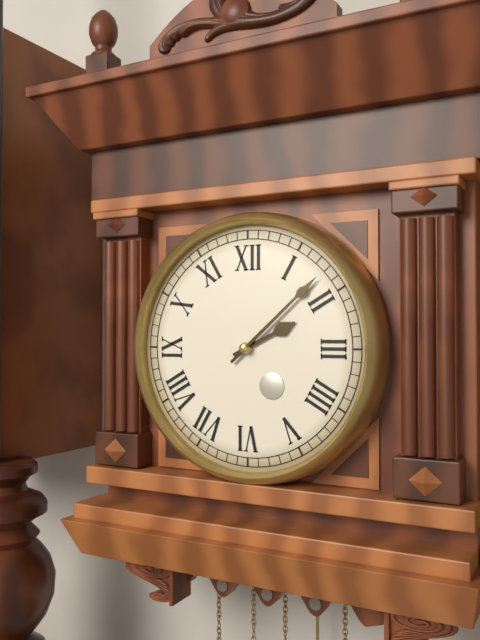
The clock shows h=2 m=8
